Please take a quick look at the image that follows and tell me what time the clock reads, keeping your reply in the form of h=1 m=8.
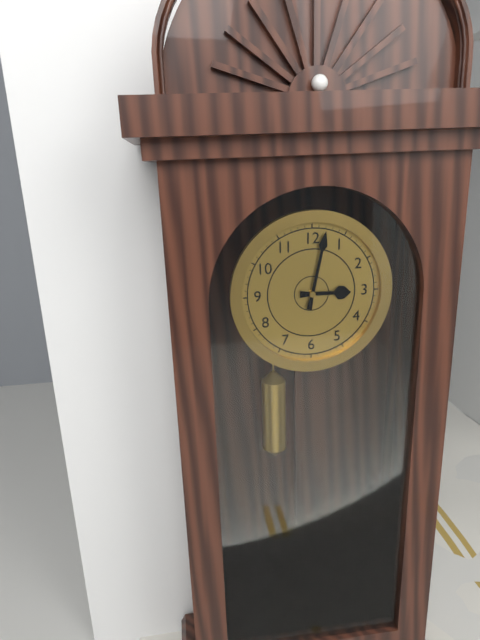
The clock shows h=3 m=2
